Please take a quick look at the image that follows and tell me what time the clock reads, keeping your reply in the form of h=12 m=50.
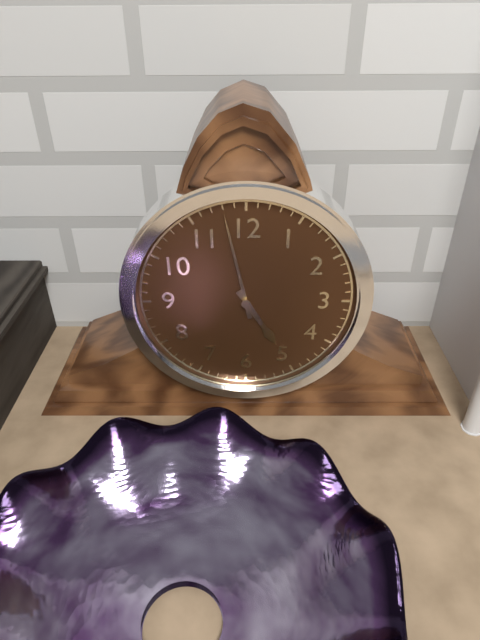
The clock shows h=4 m=58
